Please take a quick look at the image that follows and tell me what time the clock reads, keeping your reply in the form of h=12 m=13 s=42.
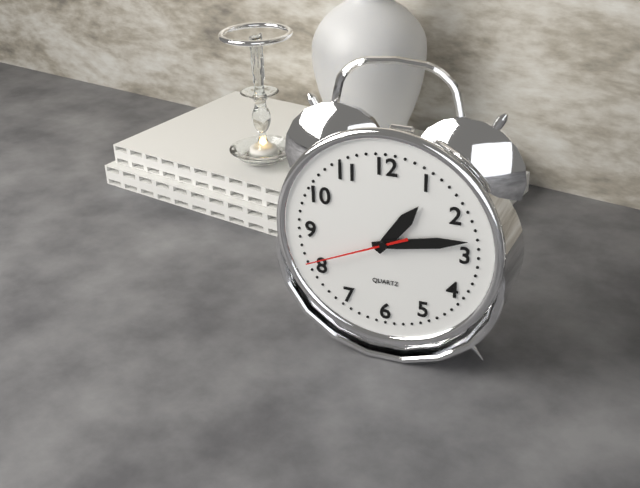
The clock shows h=1 m=13 s=41
